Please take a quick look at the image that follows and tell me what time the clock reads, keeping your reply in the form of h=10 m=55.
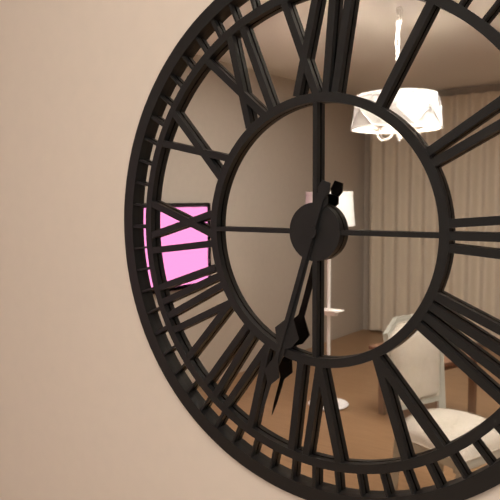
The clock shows h=6 m=33
